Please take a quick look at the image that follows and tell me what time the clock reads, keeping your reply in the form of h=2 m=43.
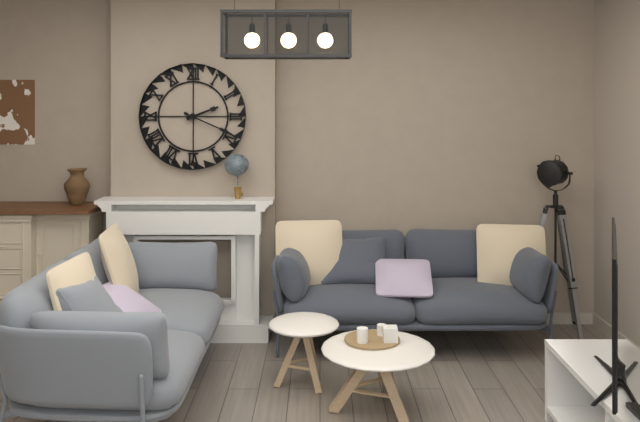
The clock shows h=2 m=19
